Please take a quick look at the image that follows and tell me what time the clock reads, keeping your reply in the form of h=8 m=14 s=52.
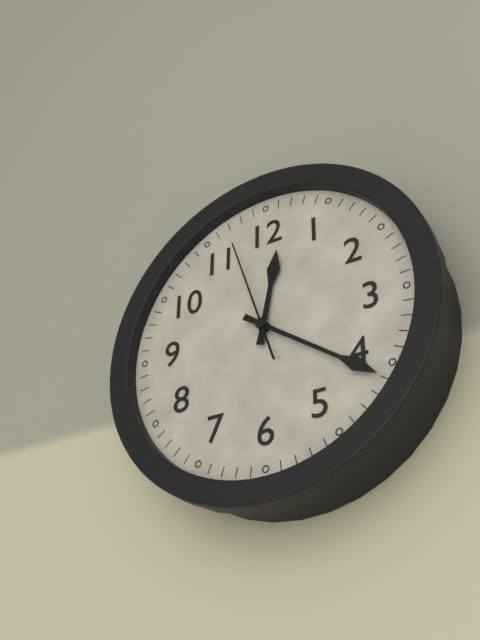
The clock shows h=12 m=21 s=57
